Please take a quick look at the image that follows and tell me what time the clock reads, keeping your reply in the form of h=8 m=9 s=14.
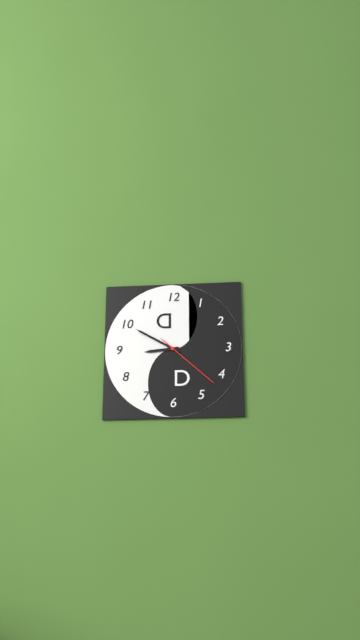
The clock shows h=8 m=50 s=22
